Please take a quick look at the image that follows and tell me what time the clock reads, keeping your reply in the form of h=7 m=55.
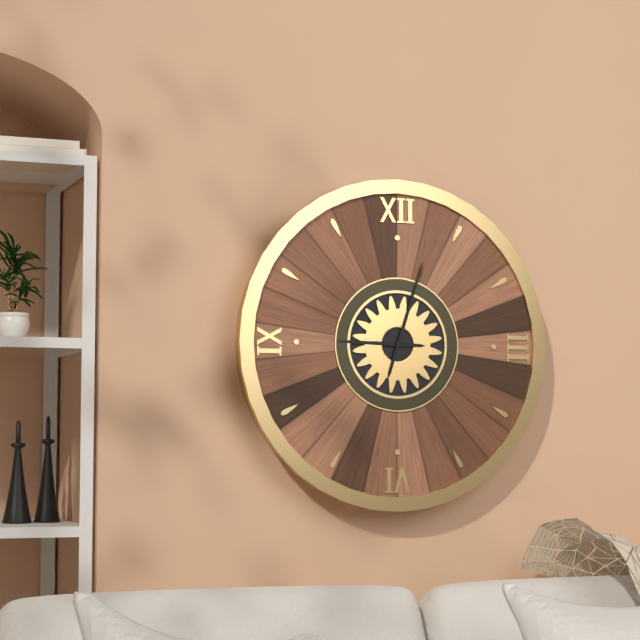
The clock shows h=9 m=3
